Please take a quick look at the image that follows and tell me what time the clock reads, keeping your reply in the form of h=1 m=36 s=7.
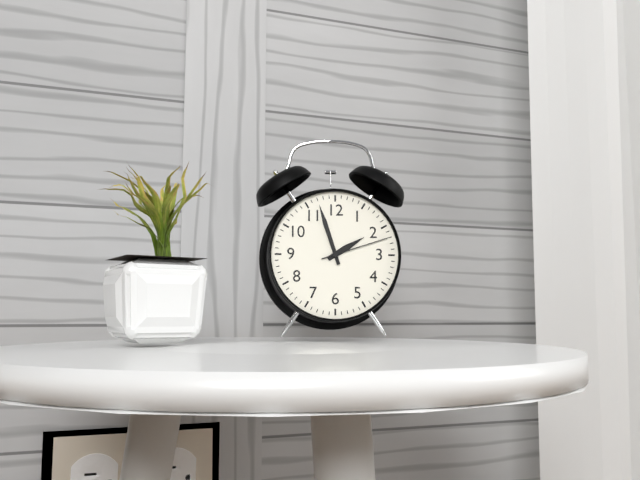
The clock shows h=1 m=57 s=12
